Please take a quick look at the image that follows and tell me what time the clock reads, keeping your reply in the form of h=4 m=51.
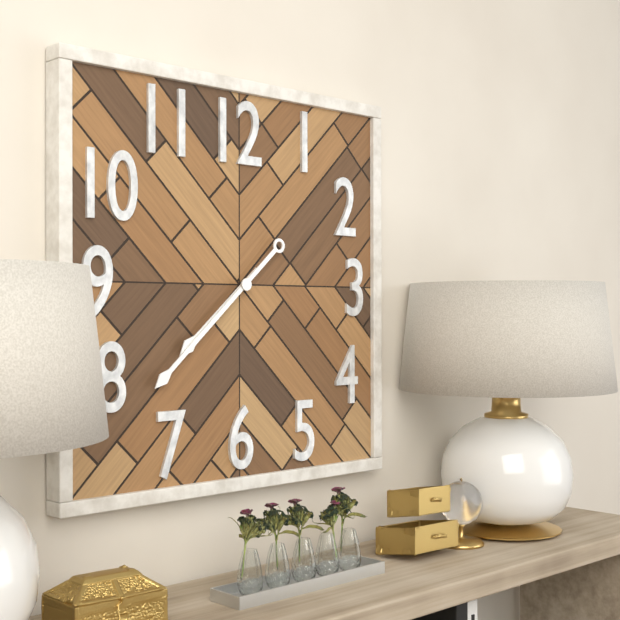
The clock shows h=7 m=38
